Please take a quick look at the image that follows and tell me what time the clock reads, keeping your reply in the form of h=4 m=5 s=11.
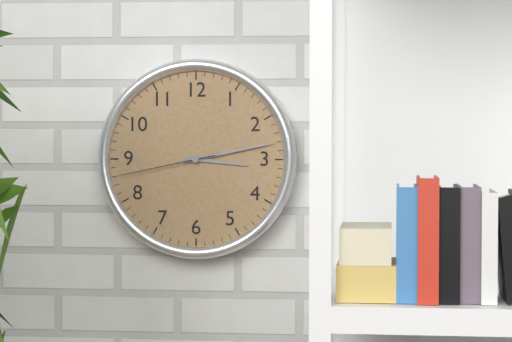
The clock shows h=3 m=13 s=43
